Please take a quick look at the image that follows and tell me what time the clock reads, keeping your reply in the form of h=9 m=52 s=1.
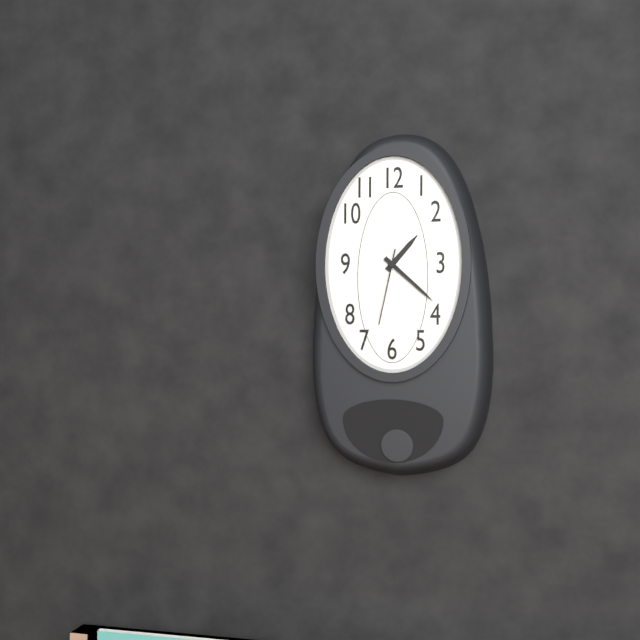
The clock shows h=1 m=22 s=32
